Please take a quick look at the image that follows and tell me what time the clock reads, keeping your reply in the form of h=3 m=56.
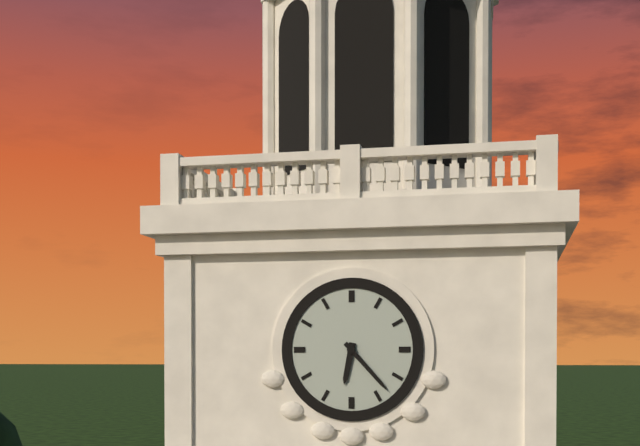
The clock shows h=6 m=23
